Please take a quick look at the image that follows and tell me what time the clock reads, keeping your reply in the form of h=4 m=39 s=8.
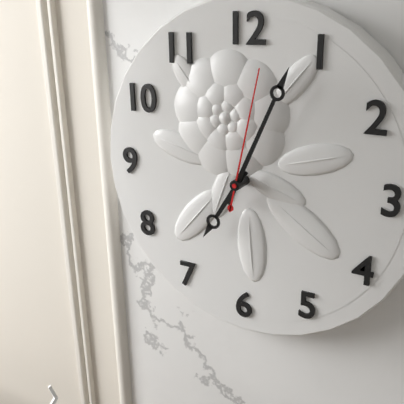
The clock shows h=7 m=4 s=2
